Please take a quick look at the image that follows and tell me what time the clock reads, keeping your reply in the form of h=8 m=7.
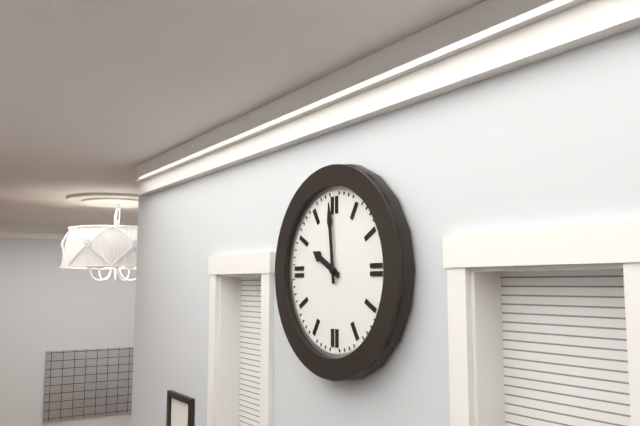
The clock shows h=9 m=59
